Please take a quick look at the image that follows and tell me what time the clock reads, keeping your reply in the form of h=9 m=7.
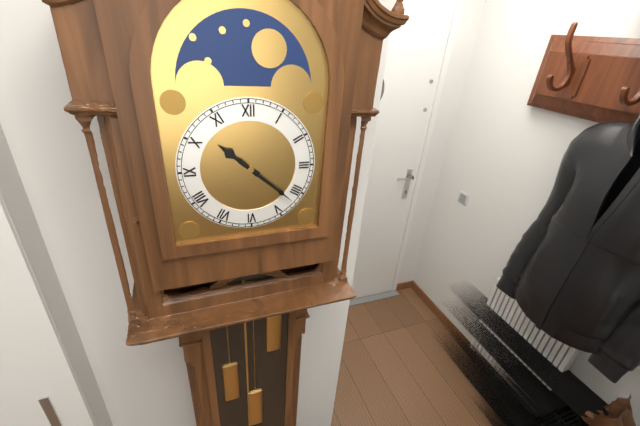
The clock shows h=10 m=22
